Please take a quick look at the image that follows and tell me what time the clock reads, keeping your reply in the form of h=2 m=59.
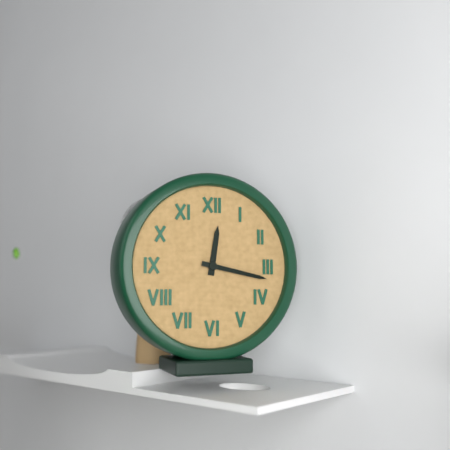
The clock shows h=12 m=17
